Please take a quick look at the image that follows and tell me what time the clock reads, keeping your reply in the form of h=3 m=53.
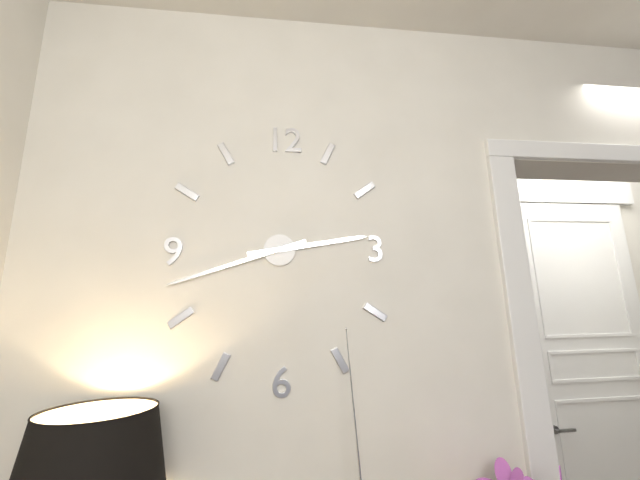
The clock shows h=2 m=42
